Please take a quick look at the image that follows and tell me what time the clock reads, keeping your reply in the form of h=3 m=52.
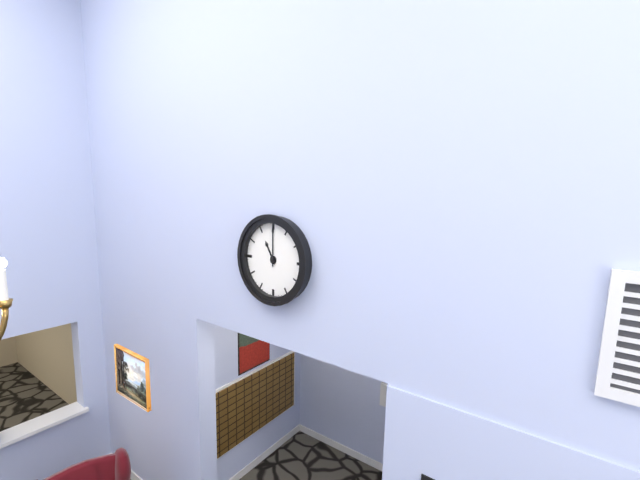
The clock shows h=11 m=0
